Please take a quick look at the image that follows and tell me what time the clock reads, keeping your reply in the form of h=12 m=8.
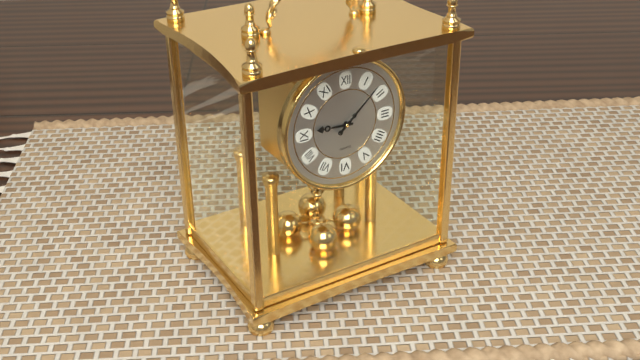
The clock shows h=9 m=8
